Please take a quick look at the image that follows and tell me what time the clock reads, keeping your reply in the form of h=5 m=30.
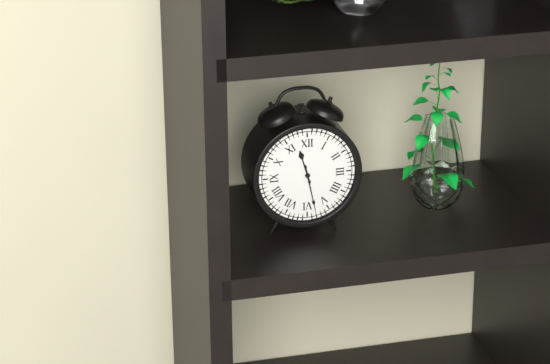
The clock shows h=11 m=28
